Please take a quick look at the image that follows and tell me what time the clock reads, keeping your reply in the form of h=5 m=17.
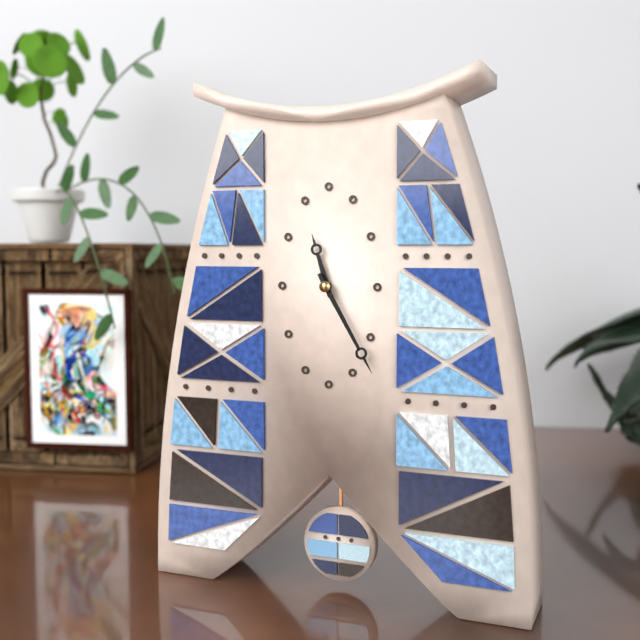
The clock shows h=11 m=25
